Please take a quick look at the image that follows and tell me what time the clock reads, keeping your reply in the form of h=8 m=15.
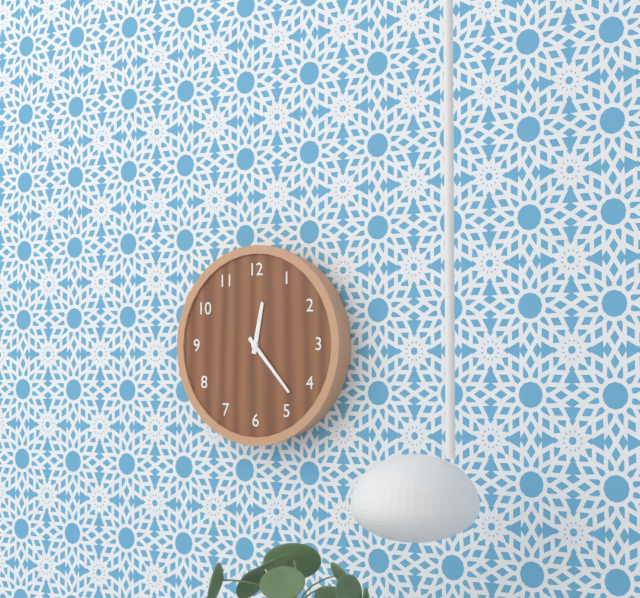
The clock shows h=12 m=23
